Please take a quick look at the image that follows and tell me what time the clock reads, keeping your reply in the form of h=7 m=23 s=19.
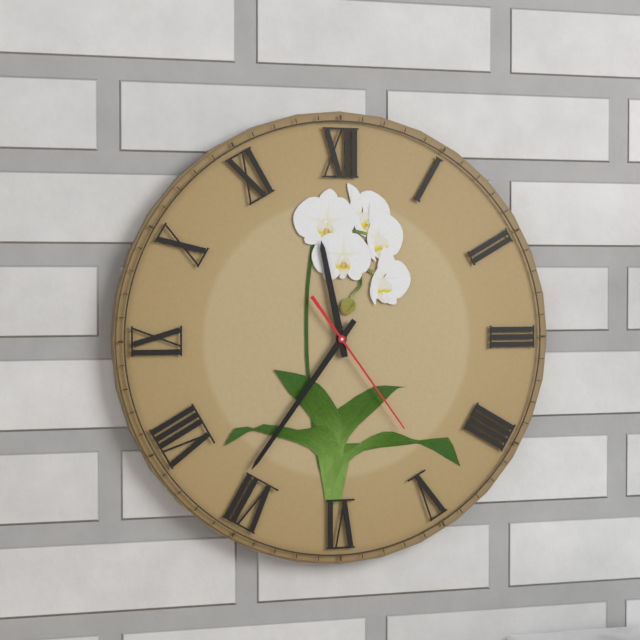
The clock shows h=11 m=36 s=24
